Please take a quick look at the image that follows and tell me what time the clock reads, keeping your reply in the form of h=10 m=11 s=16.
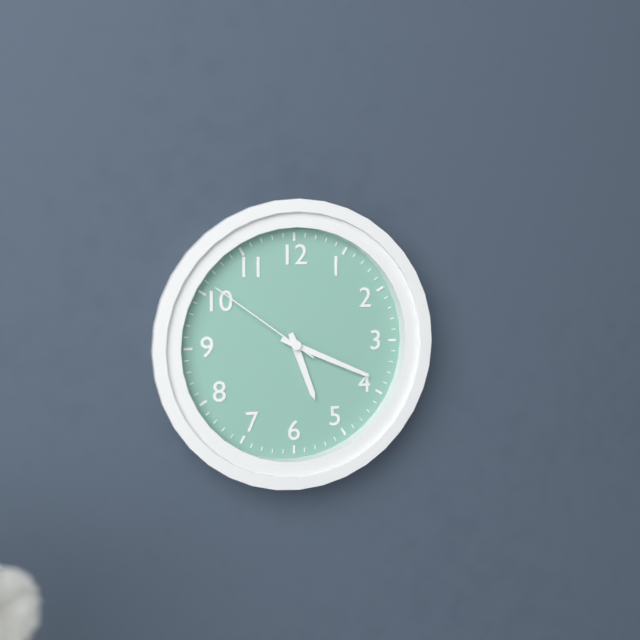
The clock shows h=5 m=19 s=51
